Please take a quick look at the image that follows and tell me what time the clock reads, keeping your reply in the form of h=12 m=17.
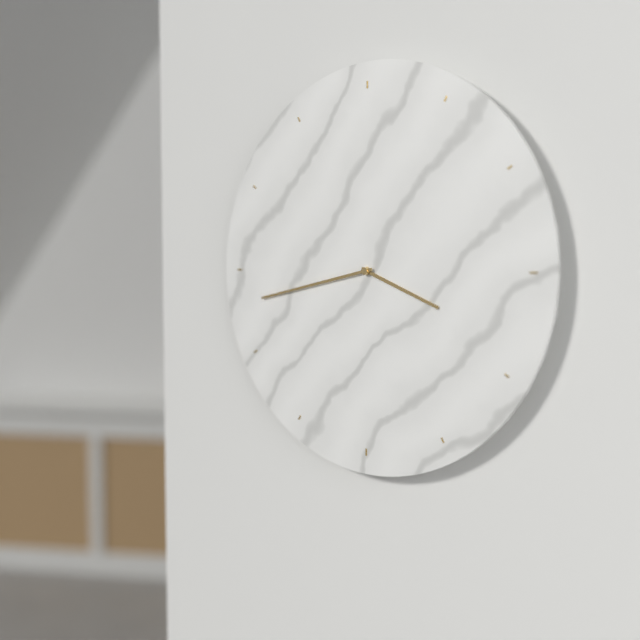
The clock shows h=3 m=43
